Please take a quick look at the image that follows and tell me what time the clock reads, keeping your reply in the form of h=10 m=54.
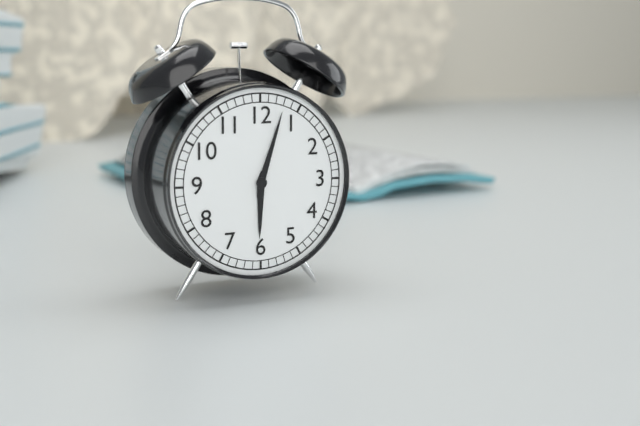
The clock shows h=6 m=3
